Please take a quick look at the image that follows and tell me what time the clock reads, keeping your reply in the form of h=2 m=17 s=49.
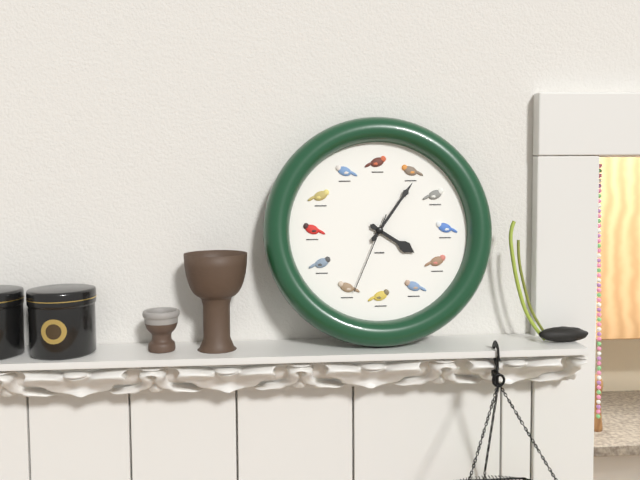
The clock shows h=4 m=6 s=34
